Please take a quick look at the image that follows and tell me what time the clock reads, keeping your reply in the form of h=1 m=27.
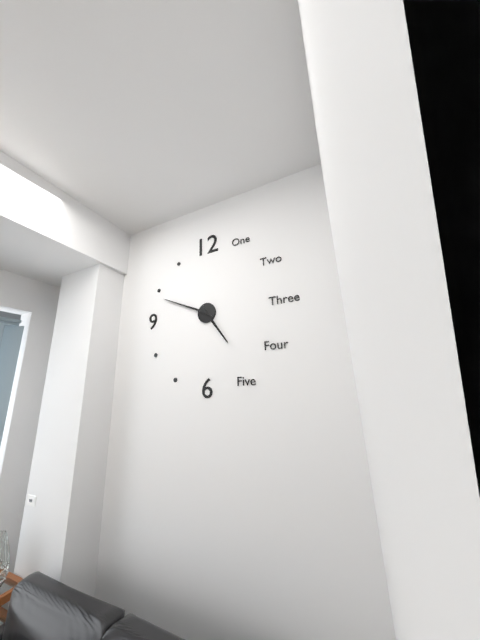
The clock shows h=4 m=49
